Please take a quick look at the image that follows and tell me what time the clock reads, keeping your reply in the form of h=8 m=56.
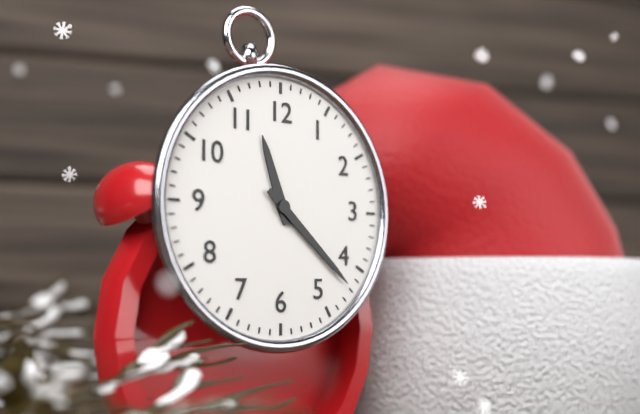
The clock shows h=11 m=22
